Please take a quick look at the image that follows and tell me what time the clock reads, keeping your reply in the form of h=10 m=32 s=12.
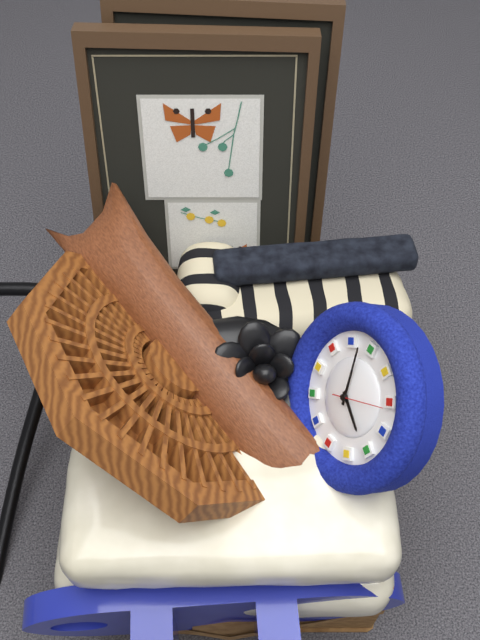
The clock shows h=5 m=3 s=16
